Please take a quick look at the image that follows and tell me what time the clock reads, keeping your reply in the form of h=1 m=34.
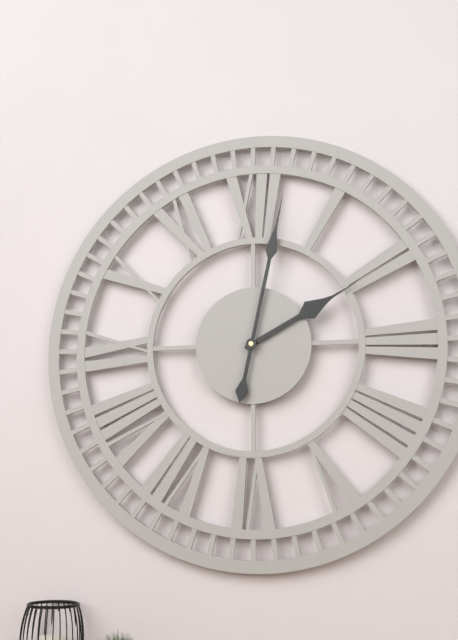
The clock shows h=2 m=2
